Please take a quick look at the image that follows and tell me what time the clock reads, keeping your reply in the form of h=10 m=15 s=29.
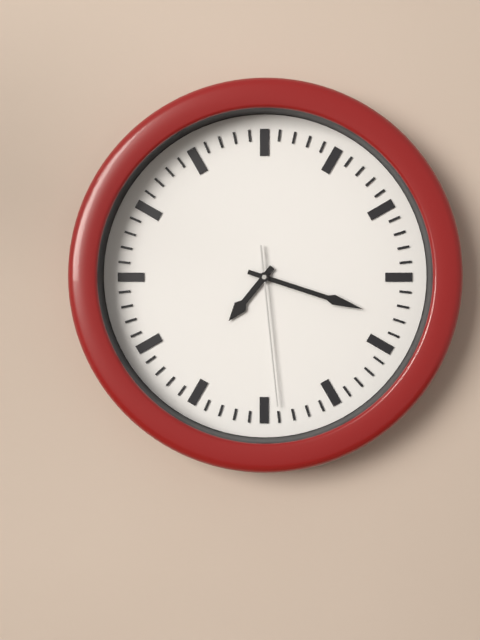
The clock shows h=7 m=18 s=29
